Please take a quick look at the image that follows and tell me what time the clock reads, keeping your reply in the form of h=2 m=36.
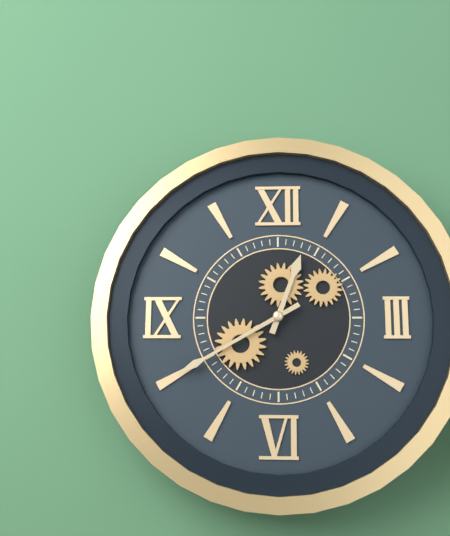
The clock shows h=12 m=40
